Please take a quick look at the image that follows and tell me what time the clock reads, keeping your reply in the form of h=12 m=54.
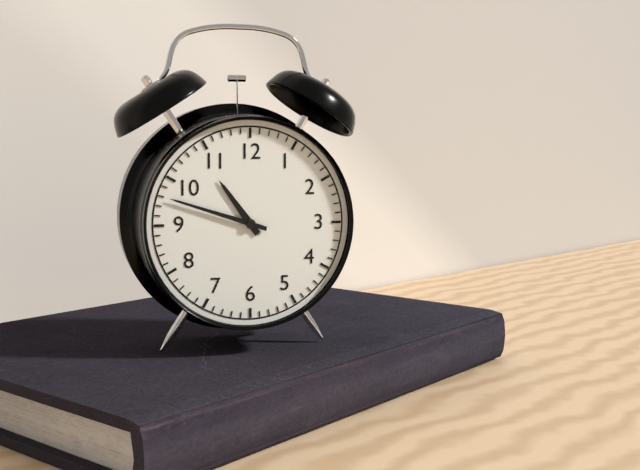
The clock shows h=10 m=48
